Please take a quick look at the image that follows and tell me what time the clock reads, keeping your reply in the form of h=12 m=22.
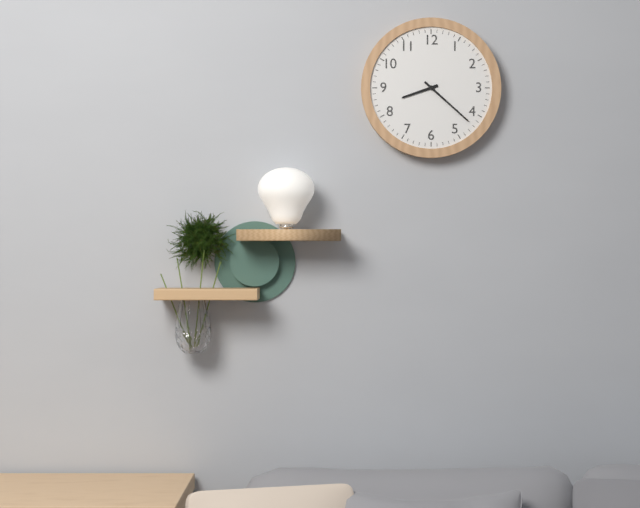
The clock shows h=8 m=22
